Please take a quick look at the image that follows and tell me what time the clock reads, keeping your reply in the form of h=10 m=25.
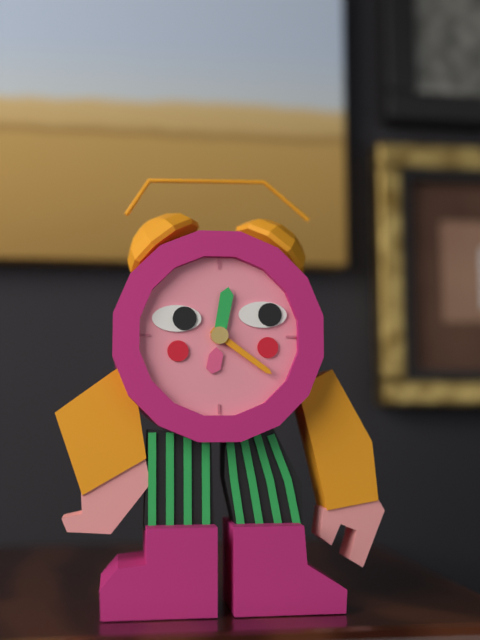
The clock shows h=12 m=21
